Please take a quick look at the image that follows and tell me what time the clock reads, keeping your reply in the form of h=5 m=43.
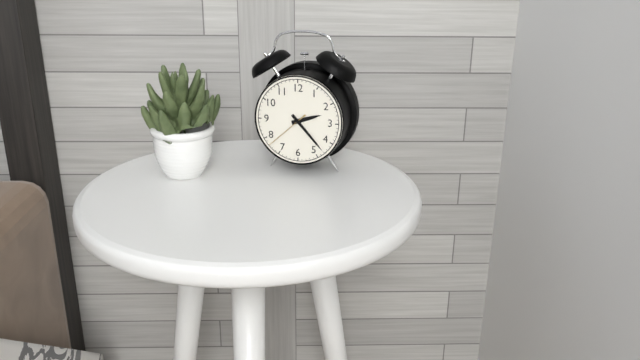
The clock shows h=2 m=23
